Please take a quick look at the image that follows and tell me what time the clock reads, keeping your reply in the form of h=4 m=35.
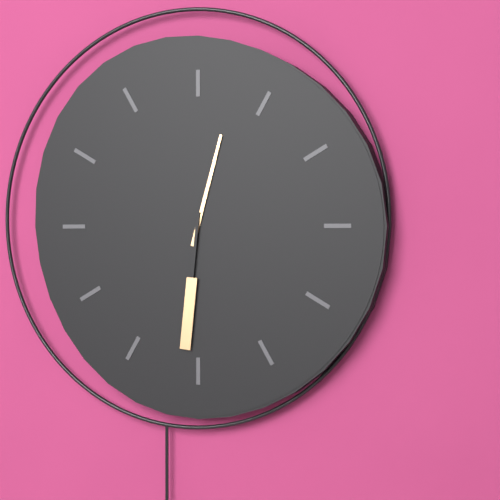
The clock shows h=12 m=31
